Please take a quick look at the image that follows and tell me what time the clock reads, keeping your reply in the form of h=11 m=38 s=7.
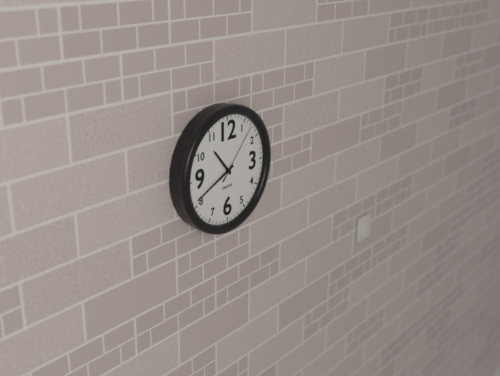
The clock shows h=10 m=41 s=7
